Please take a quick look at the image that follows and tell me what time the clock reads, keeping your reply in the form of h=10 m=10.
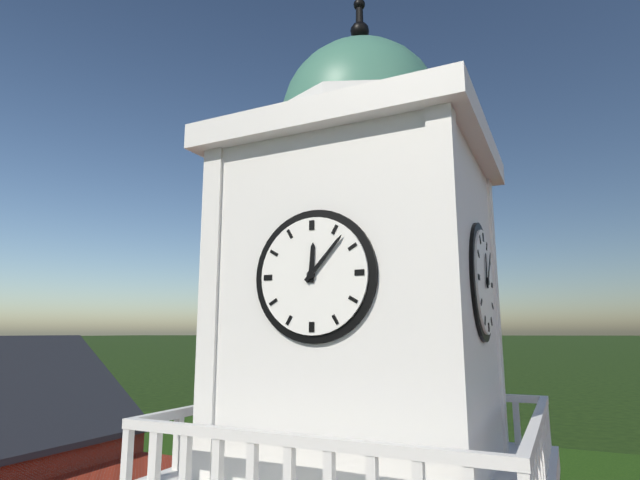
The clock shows h=12 m=7
